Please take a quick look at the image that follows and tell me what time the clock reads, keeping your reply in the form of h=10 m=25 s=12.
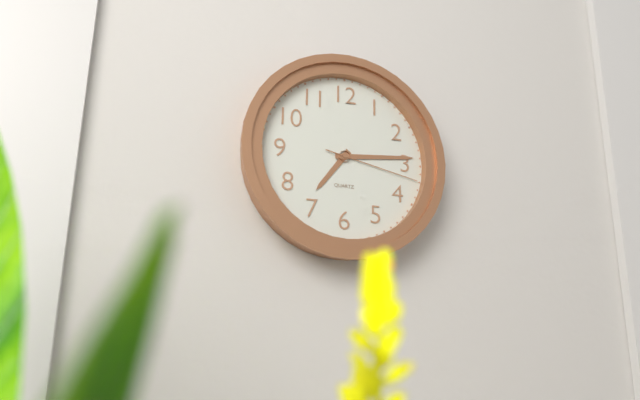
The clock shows h=7 m=14 s=17
